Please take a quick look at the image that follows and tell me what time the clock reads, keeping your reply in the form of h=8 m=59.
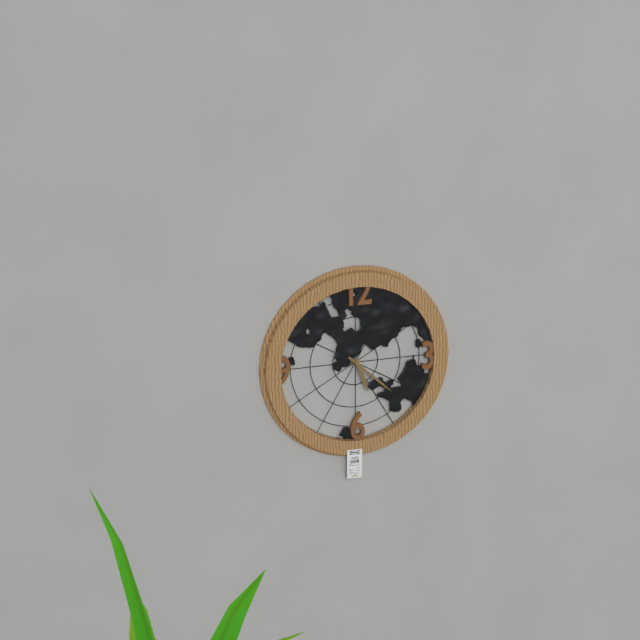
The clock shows h=5 m=22
